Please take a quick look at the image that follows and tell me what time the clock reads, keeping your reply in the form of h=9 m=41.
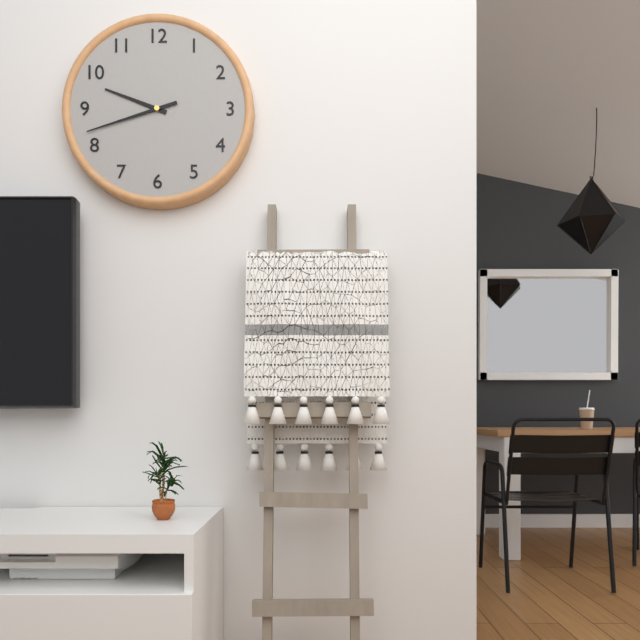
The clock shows h=9 m=42
